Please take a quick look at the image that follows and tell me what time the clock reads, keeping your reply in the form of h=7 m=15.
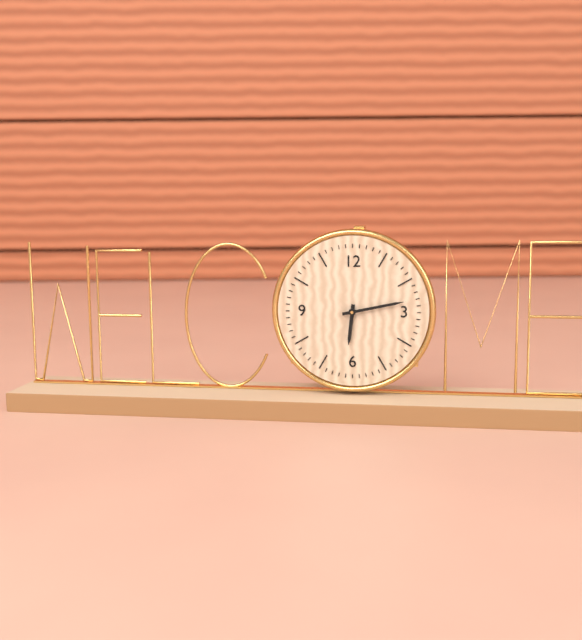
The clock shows h=6 m=13
